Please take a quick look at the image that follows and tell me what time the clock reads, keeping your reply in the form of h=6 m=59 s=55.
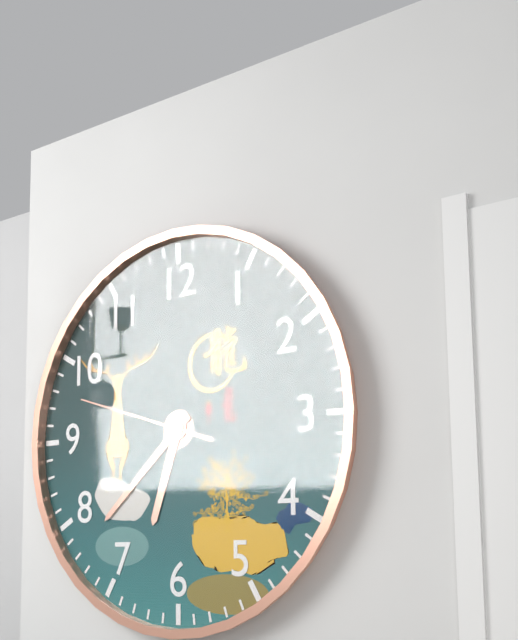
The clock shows h=6 m=38 s=48
